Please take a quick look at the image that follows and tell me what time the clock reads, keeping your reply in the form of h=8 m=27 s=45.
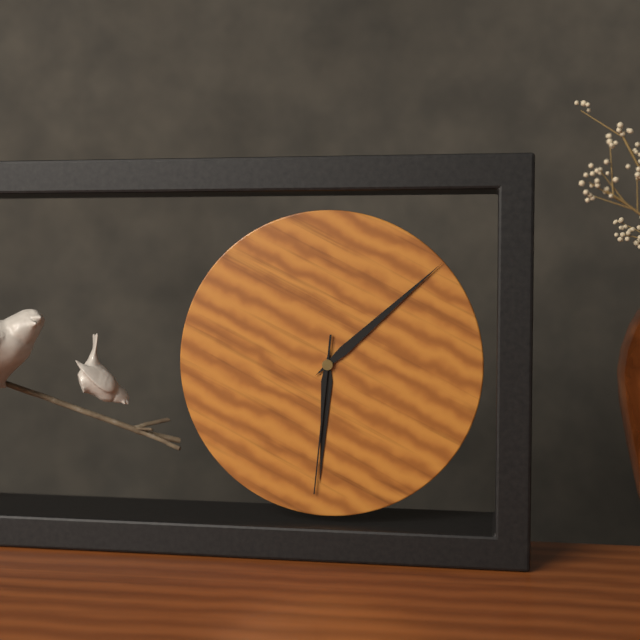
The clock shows h=6 m=8 s=31
